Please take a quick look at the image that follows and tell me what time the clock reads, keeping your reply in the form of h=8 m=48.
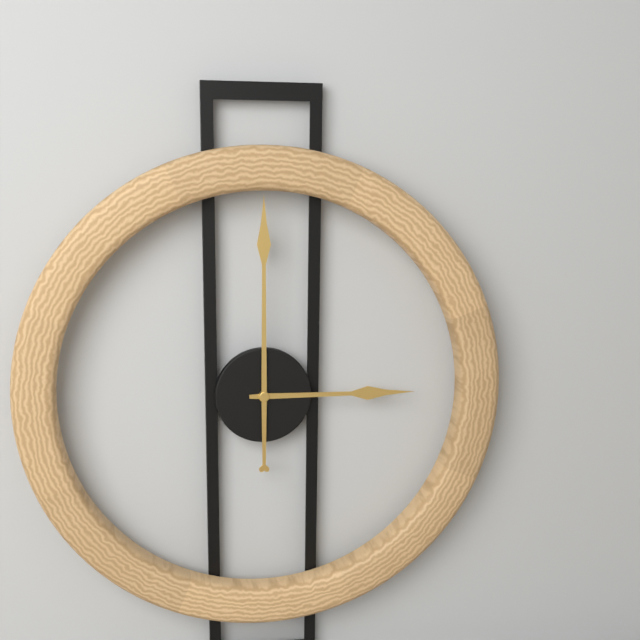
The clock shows h=3 m=0
